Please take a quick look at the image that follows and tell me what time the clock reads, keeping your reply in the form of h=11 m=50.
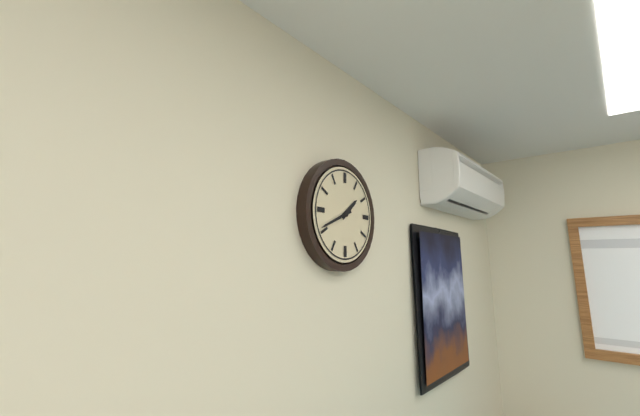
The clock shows h=1 m=41
